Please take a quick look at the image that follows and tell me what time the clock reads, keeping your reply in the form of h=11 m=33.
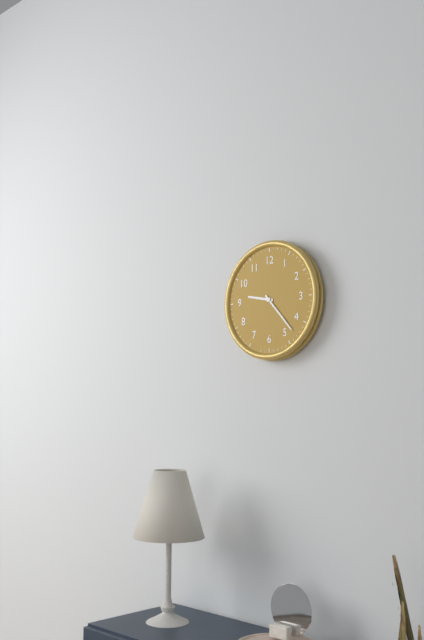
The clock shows h=9 m=23
